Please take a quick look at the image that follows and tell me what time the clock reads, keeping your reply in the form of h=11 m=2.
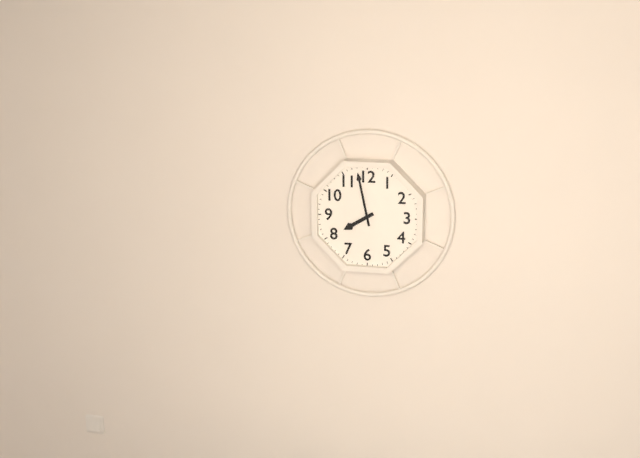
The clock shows h=7 m=58
